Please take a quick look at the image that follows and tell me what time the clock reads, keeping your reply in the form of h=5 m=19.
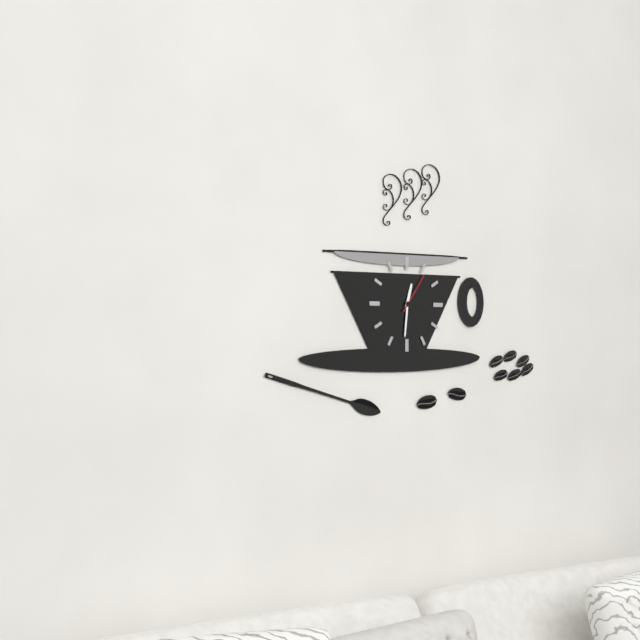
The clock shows h=12 m=31
